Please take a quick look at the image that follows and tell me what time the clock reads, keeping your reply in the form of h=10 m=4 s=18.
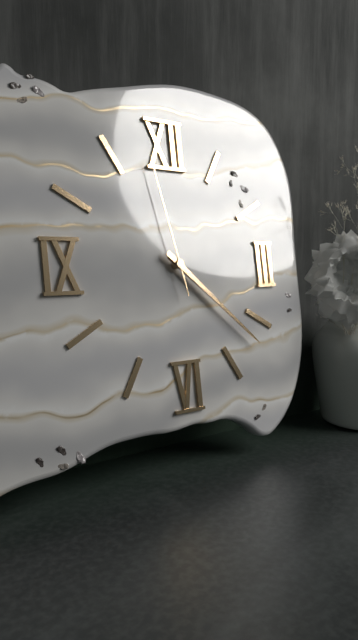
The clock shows h=4 m=22 s=58
